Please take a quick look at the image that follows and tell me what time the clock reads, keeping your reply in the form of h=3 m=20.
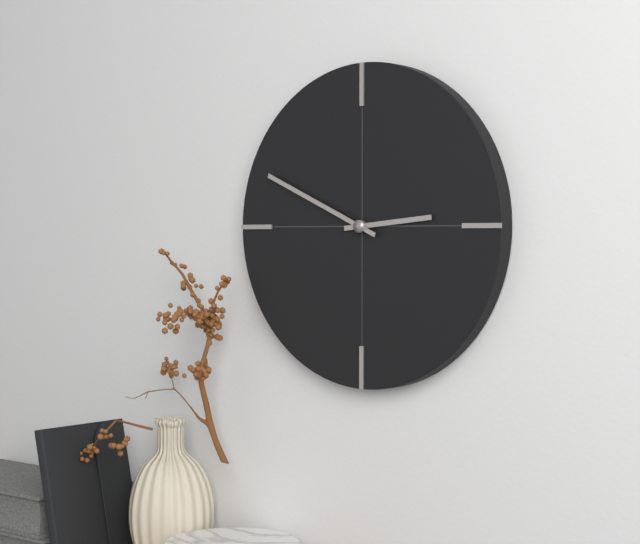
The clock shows h=2 m=49
